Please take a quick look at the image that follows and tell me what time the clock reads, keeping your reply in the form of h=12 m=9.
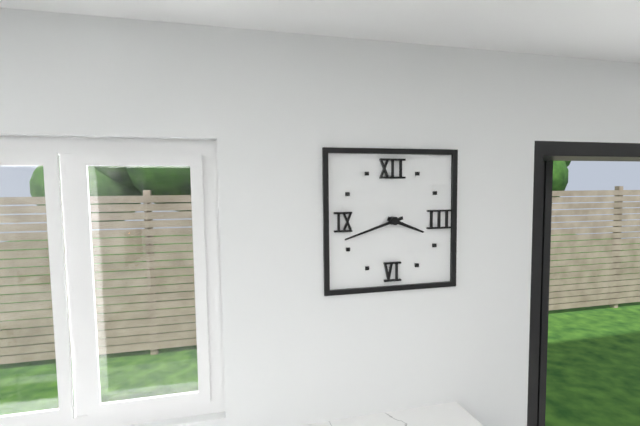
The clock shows h=3 m=42
